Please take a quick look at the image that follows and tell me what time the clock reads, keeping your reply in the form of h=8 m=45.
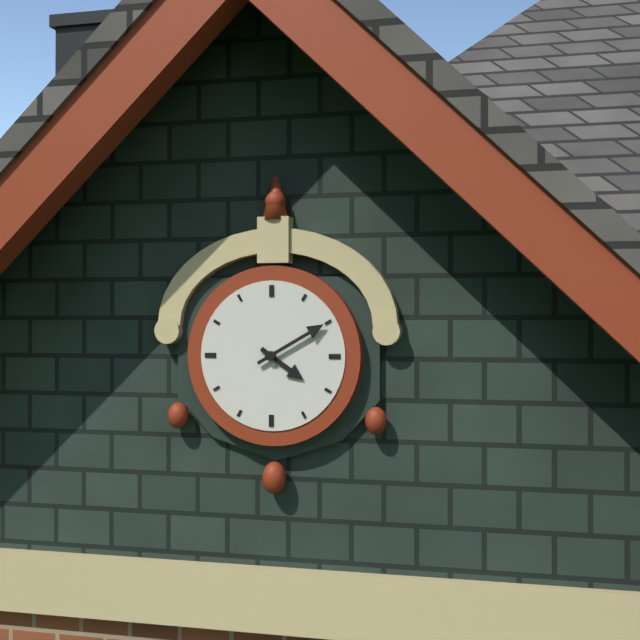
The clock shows h=4 m=10
